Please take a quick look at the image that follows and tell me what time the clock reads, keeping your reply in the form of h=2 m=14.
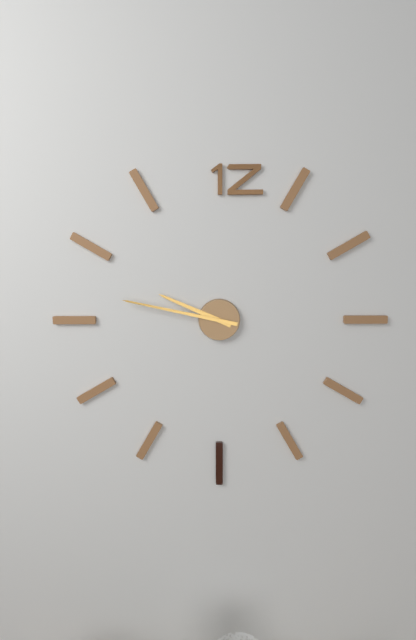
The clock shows h=9 m=47
